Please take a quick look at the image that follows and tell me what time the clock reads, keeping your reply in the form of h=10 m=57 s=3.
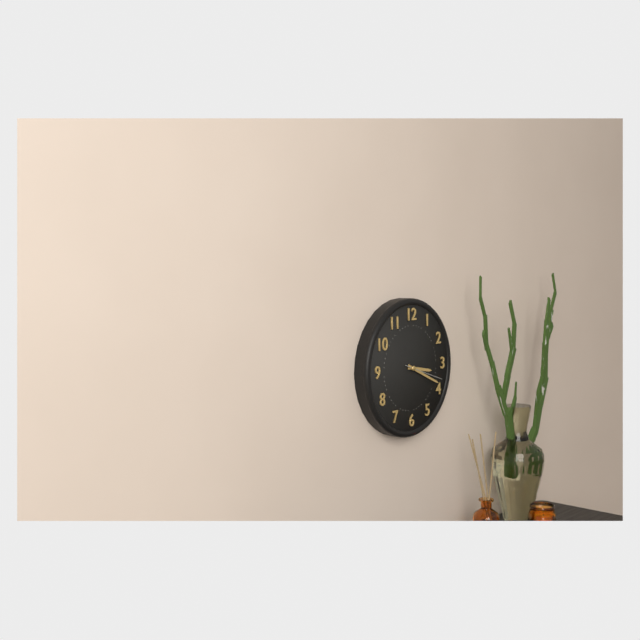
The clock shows h=3 m=19 s=18
